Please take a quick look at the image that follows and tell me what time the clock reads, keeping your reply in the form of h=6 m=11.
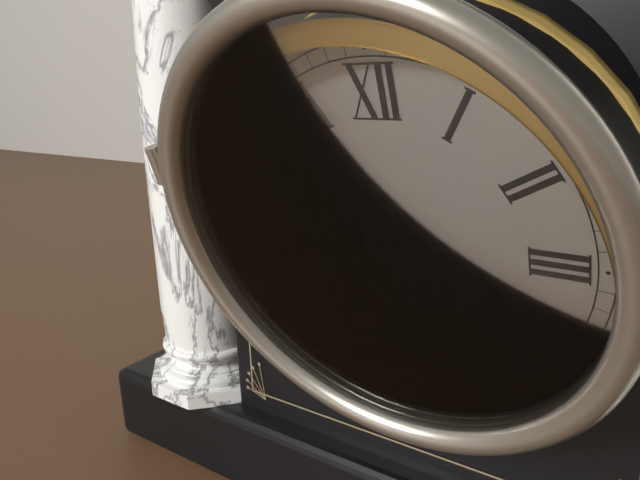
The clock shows h=7 m=50
